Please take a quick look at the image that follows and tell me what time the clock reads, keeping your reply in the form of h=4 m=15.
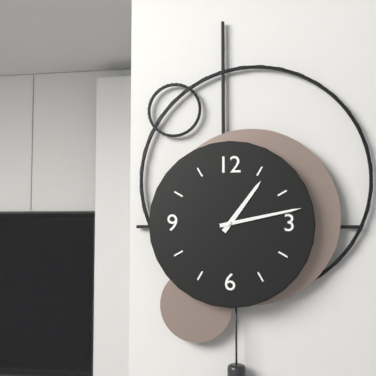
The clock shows h=1 m=13
